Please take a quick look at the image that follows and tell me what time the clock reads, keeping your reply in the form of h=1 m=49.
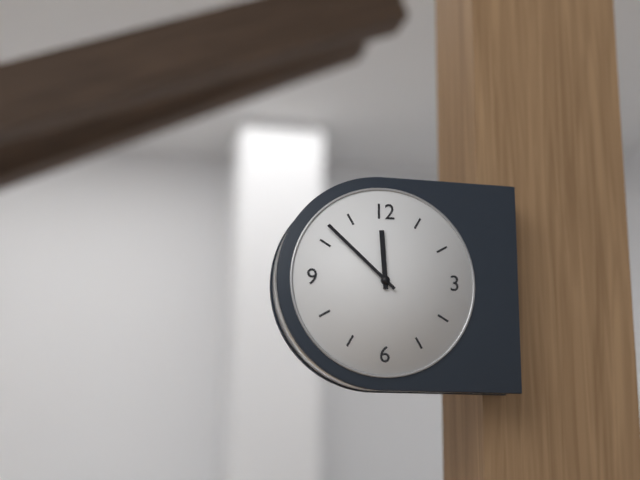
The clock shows h=11 m=52
